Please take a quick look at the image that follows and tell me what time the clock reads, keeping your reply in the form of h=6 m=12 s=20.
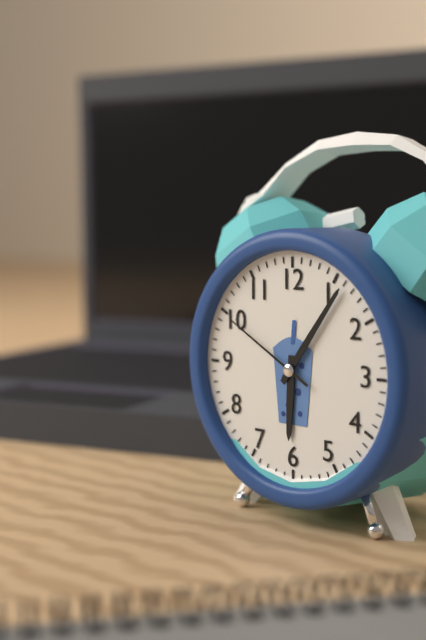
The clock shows h=6 m=6 s=50
